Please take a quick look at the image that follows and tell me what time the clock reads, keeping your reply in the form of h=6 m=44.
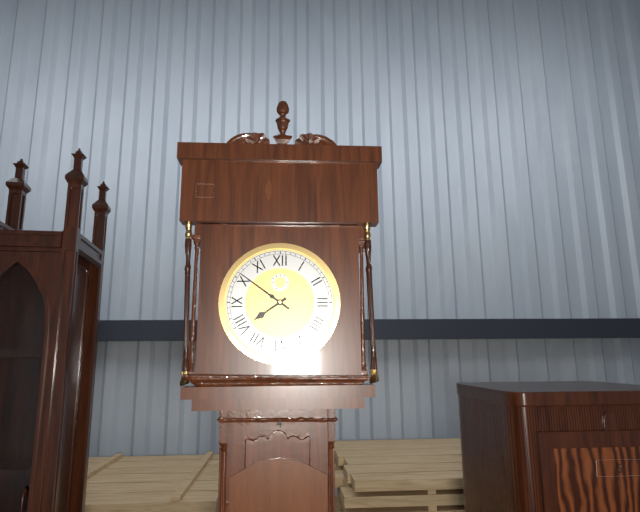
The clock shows h=7 m=51
